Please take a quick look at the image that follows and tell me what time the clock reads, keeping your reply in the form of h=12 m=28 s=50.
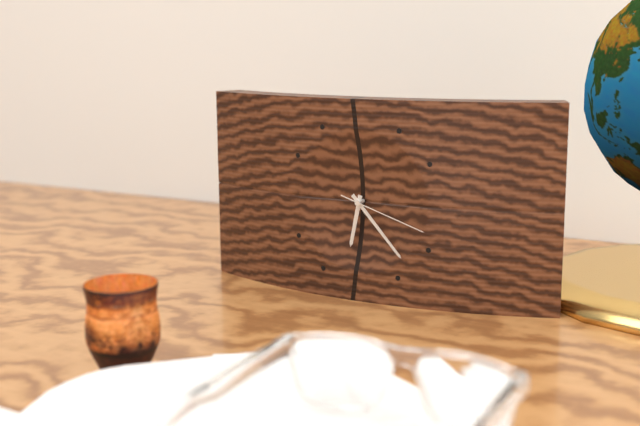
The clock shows h=6 m=23 s=18
